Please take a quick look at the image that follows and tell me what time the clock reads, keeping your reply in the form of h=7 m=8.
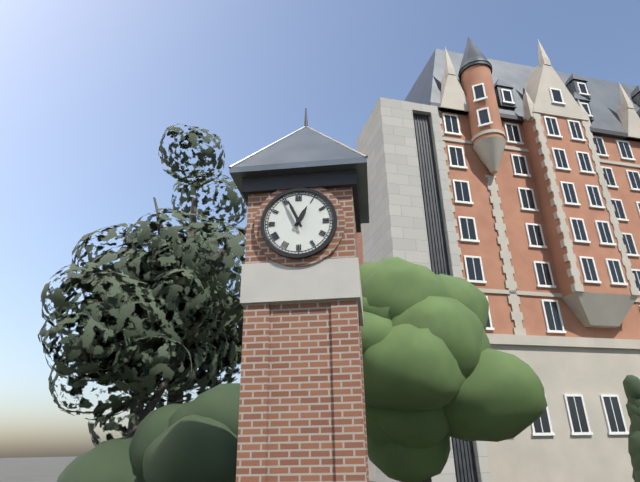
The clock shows h=12 m=56
